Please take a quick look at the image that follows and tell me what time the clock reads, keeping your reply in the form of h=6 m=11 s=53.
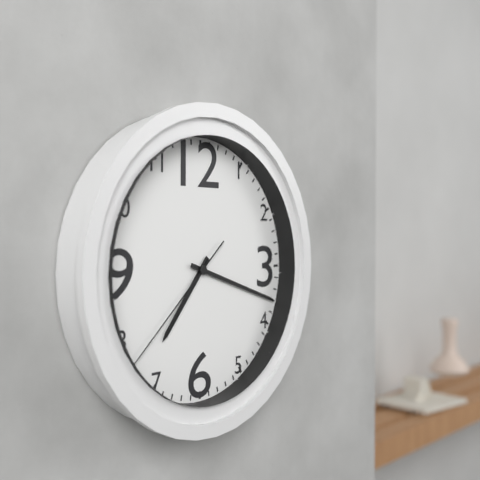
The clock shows h=7 m=18 s=38
